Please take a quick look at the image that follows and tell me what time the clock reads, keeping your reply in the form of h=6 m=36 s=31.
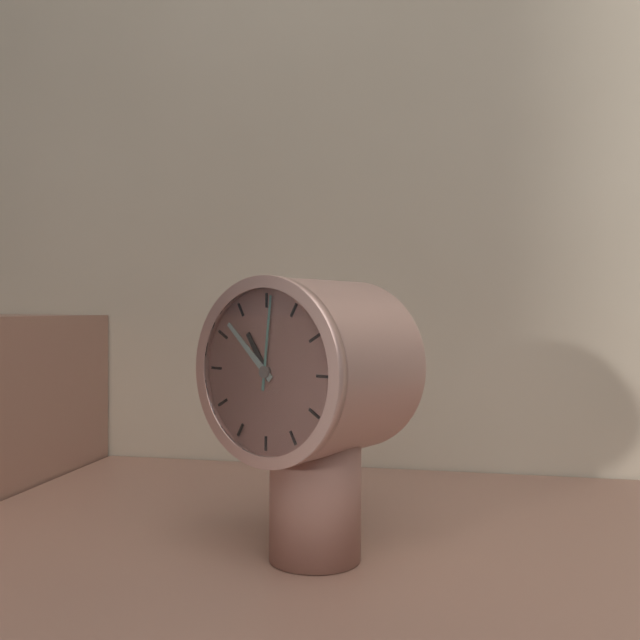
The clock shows h=10 m=52 s=1
